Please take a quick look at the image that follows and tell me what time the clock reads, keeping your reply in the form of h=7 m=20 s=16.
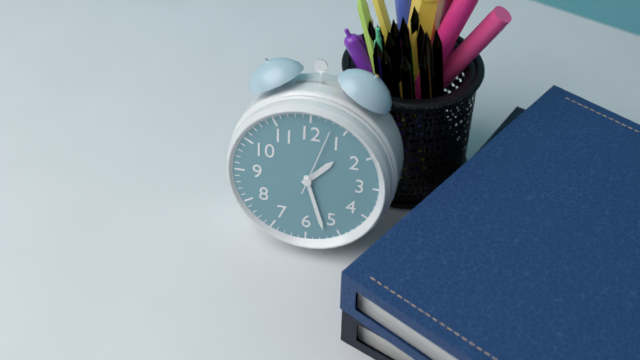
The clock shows h=1 m=27 s=3
